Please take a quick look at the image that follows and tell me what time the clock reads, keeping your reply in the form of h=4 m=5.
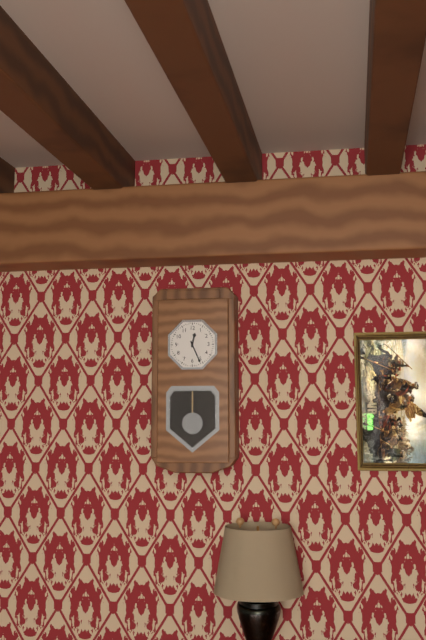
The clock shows h=12 m=26
